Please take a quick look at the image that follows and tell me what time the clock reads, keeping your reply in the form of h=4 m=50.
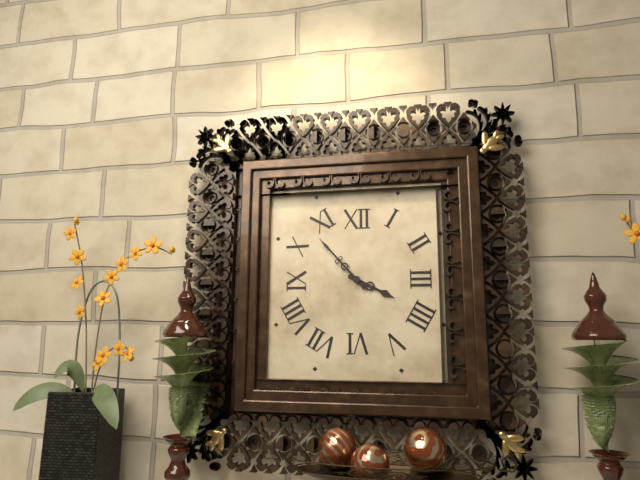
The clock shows h=3 m=53
